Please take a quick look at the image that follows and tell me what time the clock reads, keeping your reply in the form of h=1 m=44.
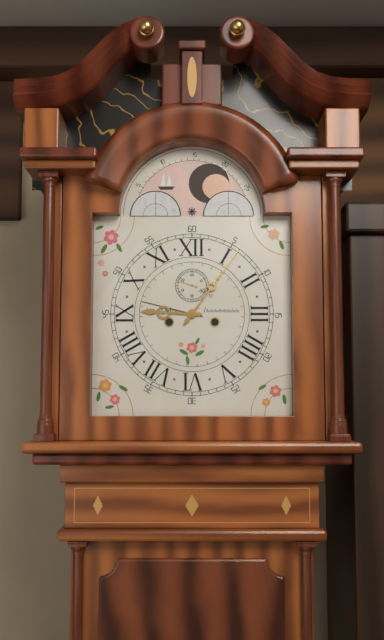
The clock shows h=9 m=6
